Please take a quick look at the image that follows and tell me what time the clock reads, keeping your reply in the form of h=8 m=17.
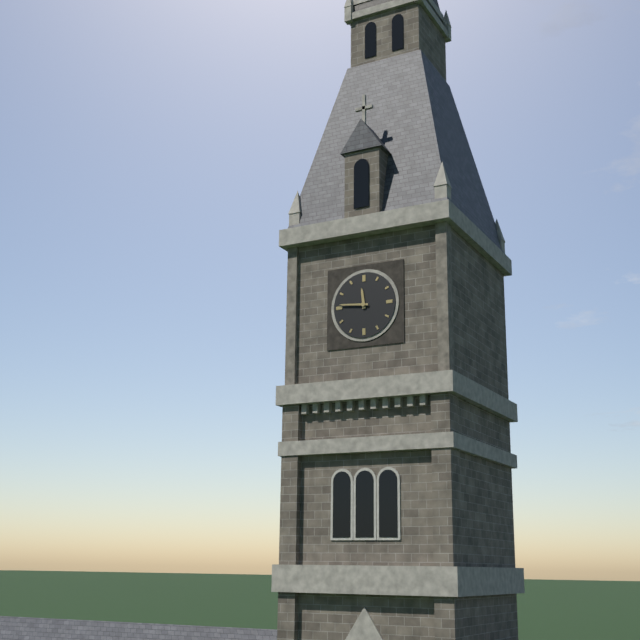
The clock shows h=11 m=46
